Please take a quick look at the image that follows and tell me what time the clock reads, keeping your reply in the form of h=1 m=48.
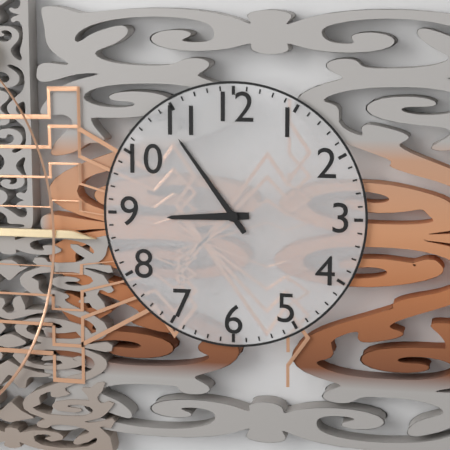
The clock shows h=8 m=54
